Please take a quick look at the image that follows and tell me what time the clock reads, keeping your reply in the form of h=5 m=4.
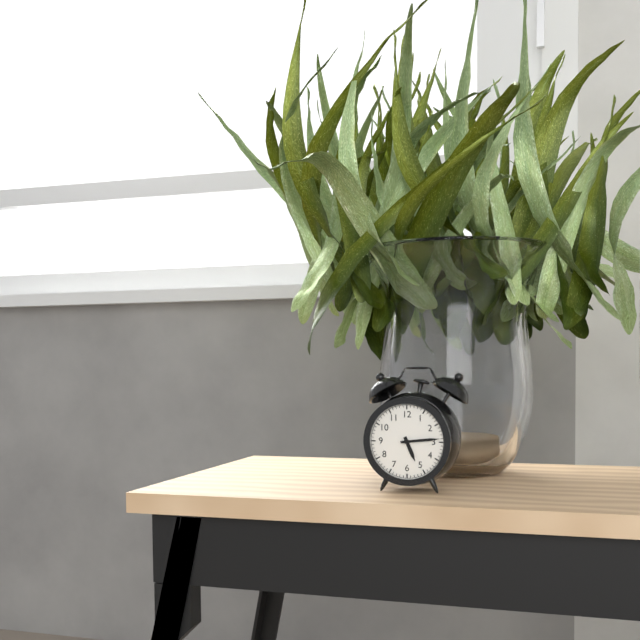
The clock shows h=5 m=14
